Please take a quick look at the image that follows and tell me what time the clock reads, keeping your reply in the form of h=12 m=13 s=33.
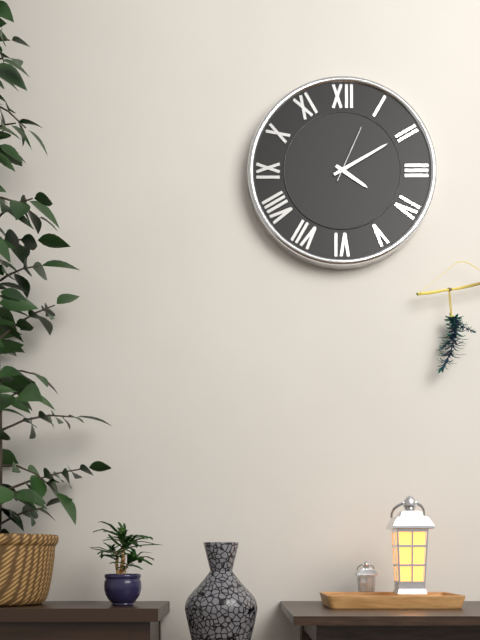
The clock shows h=4 m=10 s=4
